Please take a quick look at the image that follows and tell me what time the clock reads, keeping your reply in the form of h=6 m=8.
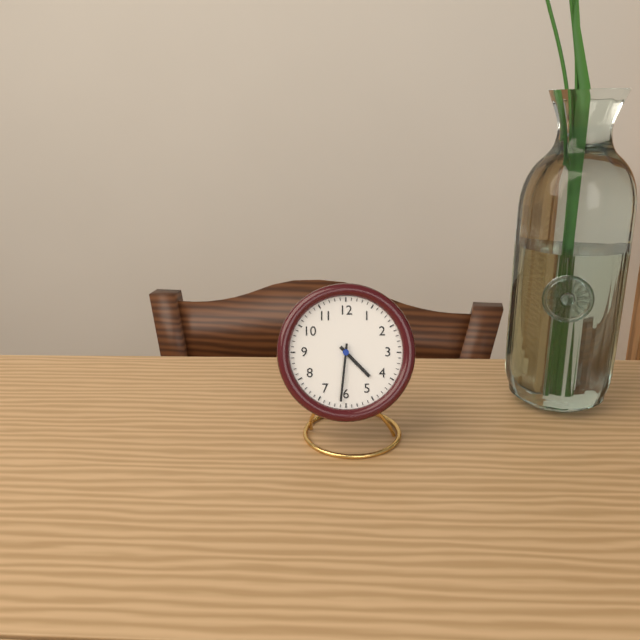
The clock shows h=4 m=31
